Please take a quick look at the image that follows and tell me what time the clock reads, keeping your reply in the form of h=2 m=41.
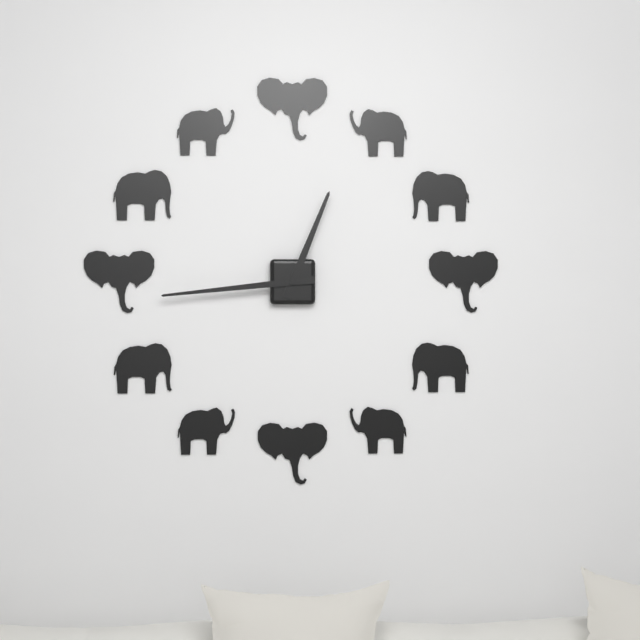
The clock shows h=12 m=44
